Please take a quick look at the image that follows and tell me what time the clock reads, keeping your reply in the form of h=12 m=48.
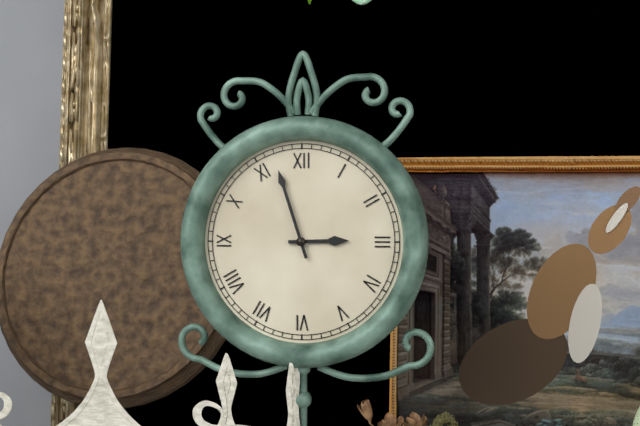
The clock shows h=2 m=57
